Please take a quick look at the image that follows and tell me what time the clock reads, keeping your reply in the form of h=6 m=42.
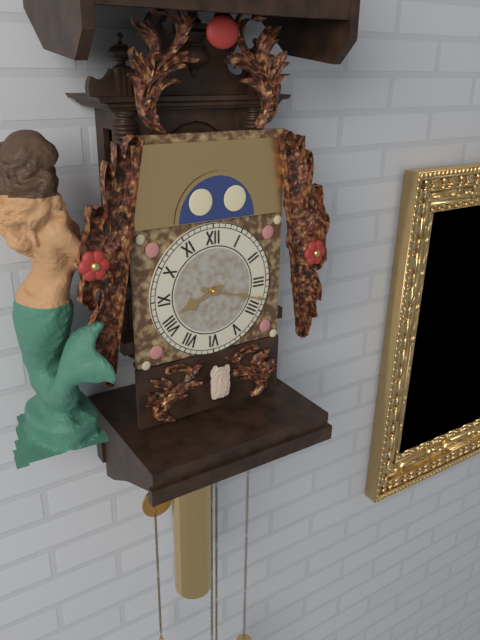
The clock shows h=8 m=18
